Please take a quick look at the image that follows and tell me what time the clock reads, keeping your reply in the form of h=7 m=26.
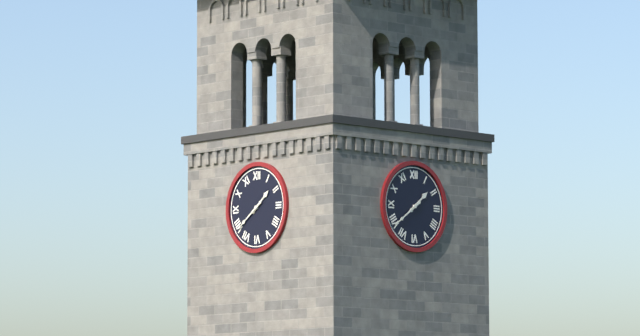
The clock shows h=1 m=39
